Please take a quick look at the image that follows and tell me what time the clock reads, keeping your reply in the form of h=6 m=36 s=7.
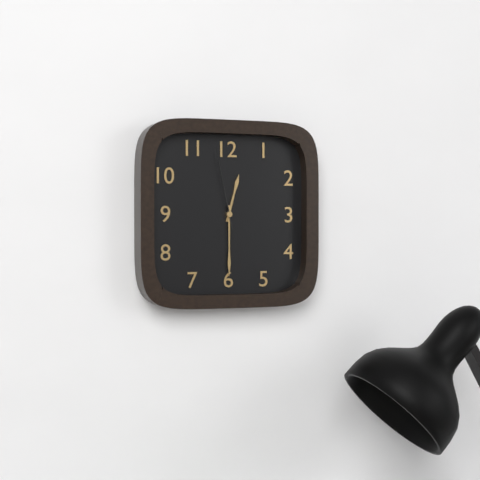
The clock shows h=12 m=30 s=58
